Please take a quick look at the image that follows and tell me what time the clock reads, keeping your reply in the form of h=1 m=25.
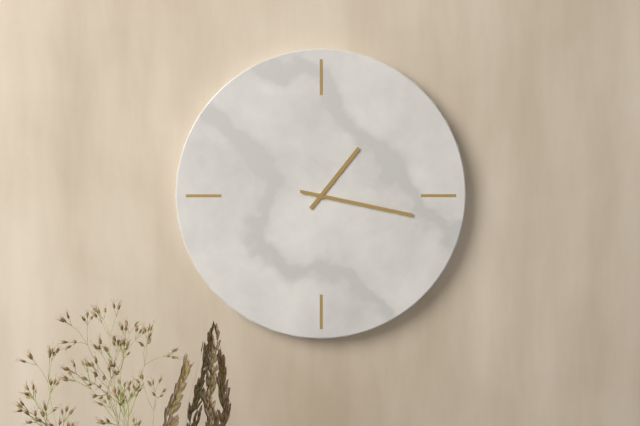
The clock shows h=1 m=17
